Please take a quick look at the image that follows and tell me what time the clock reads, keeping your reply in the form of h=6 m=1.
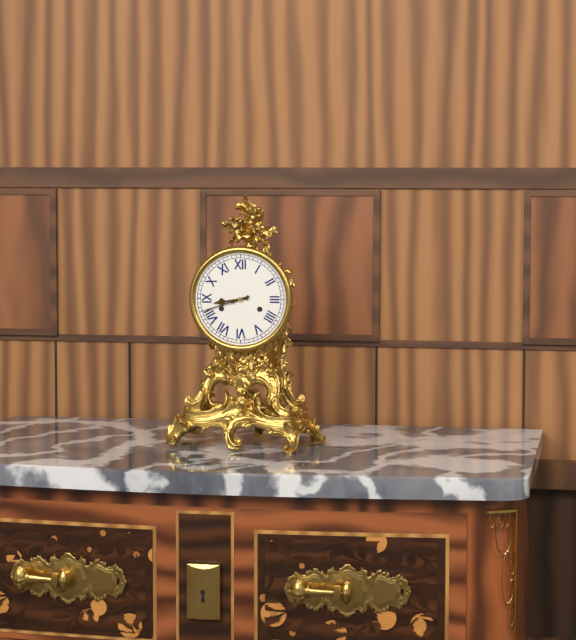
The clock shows h=8 m=42
